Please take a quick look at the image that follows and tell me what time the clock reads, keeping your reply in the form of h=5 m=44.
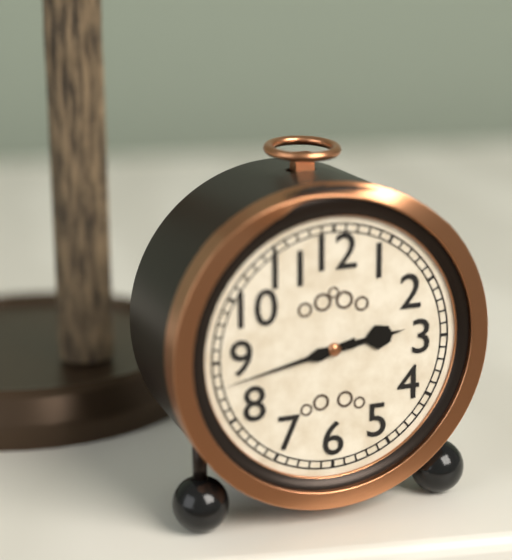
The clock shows h=2 m=43
